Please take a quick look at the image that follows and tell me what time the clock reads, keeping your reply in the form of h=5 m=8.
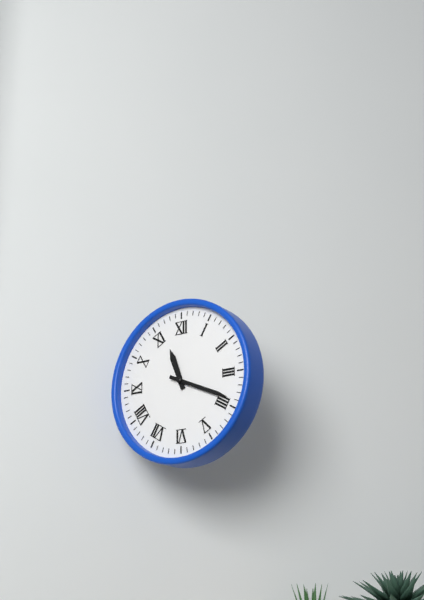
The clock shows h=11 m=19
